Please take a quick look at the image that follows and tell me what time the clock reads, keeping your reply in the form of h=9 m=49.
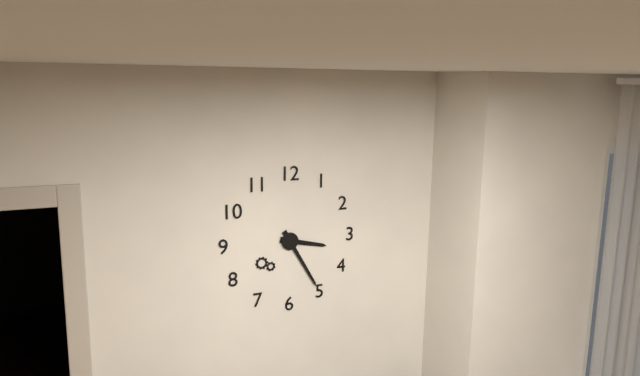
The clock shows h=3 m=25
